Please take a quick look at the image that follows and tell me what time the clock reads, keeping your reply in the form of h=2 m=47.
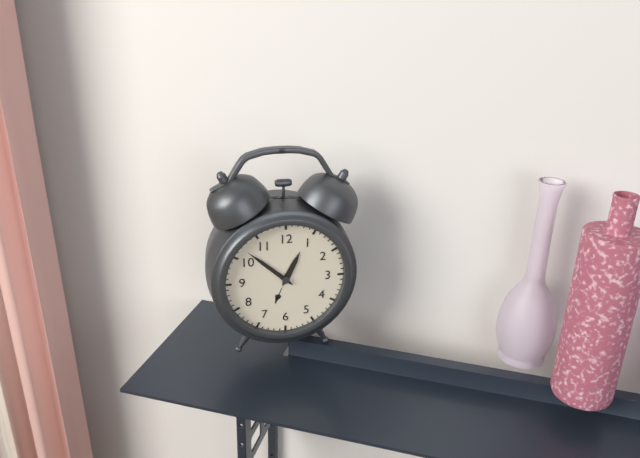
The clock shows h=12 m=52
